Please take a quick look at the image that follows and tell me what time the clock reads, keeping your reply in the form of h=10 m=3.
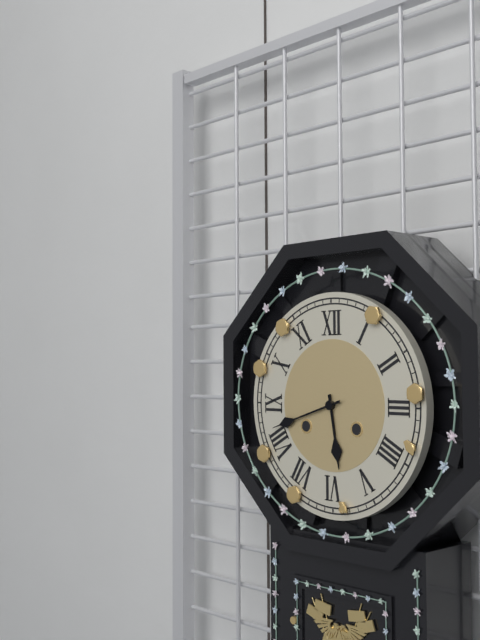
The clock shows h=5 m=42
